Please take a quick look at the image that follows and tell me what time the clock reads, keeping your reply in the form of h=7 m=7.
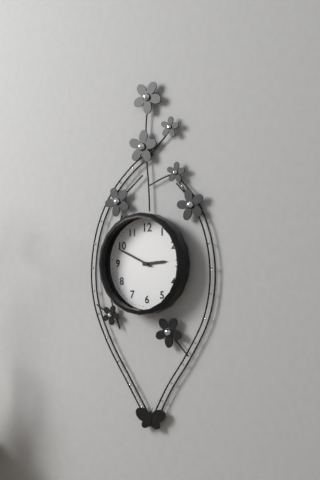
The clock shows h=2 m=49
